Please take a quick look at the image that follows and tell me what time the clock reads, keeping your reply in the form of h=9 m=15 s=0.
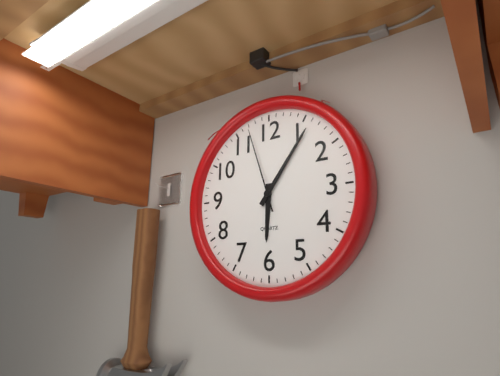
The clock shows h=6 m=6 s=57
